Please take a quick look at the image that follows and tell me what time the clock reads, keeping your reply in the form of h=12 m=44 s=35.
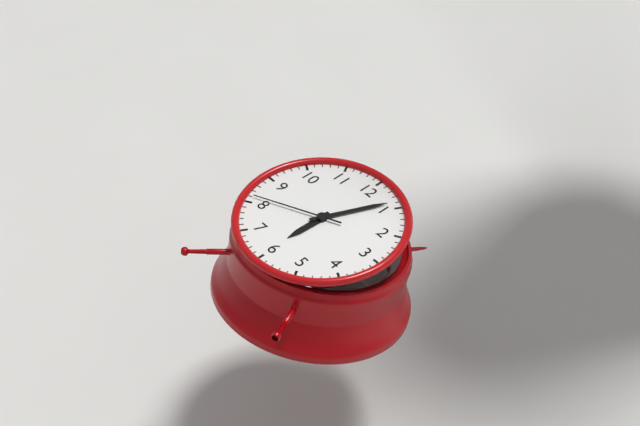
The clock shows h=6 m=4 s=41
